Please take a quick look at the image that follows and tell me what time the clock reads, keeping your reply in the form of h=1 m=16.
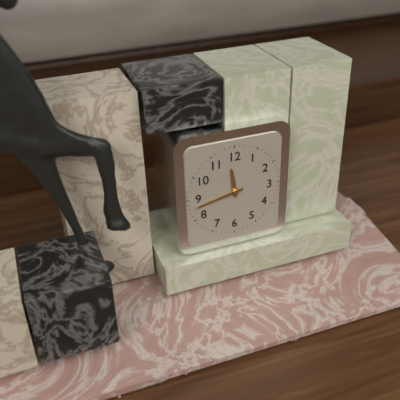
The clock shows h=11 m=43
